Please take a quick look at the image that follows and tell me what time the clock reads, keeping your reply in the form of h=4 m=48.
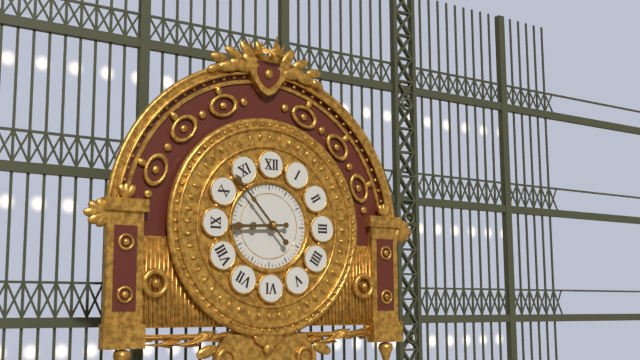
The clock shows h=8 m=53
